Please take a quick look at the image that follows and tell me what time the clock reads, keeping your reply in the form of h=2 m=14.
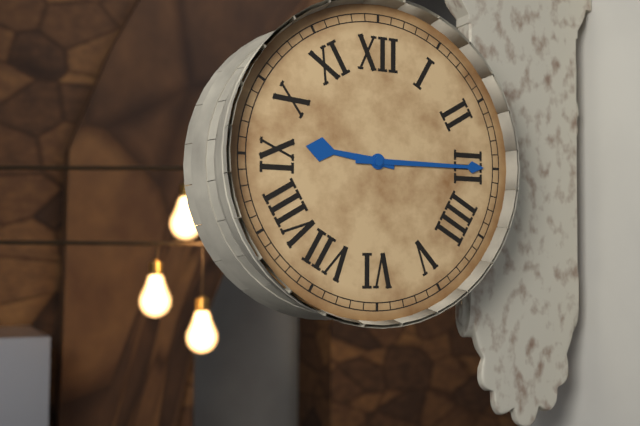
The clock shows h=9 m=15
